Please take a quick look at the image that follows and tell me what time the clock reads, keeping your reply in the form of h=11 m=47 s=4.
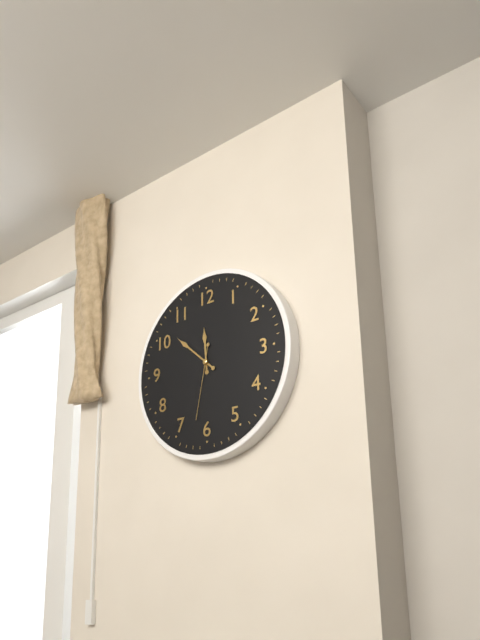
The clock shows h=11 m=52 s=32
